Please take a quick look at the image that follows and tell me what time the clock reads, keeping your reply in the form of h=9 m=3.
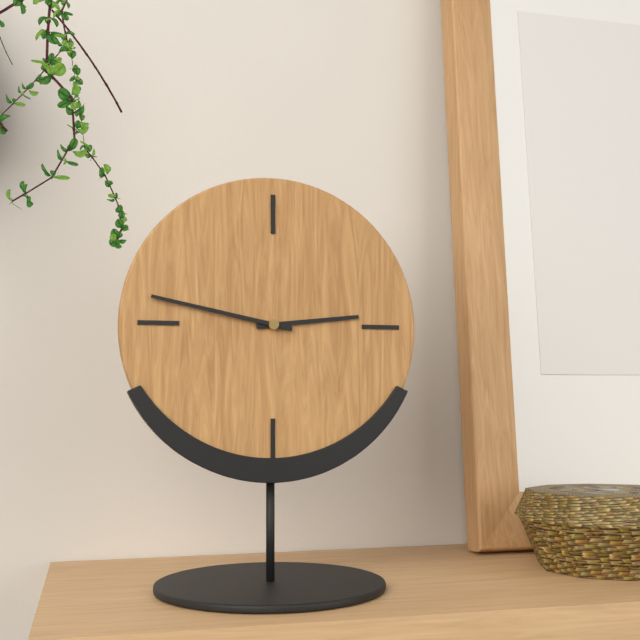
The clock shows h=2 m=47
